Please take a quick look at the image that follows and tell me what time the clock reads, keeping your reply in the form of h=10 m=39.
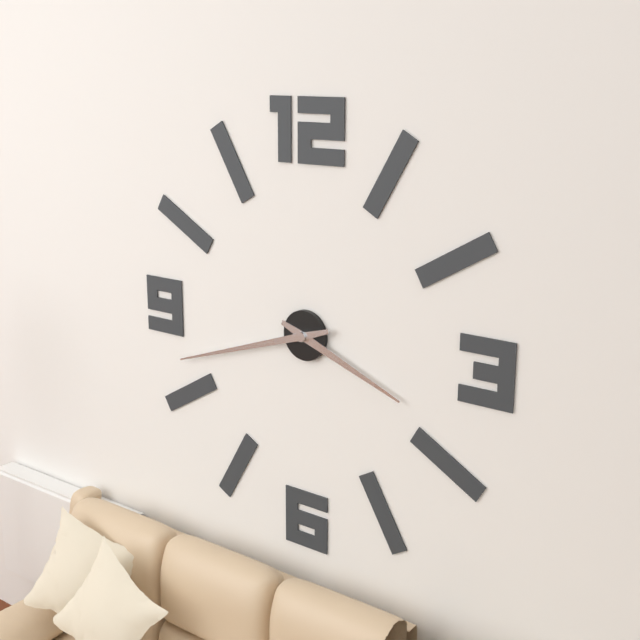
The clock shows h=3 m=42
